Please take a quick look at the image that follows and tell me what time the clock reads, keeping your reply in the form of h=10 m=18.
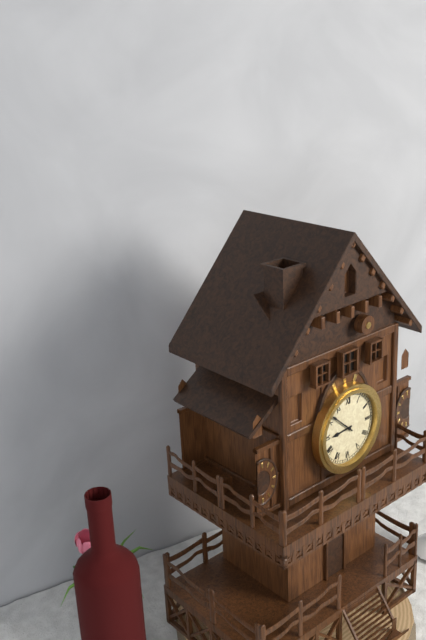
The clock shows h=8 m=52
